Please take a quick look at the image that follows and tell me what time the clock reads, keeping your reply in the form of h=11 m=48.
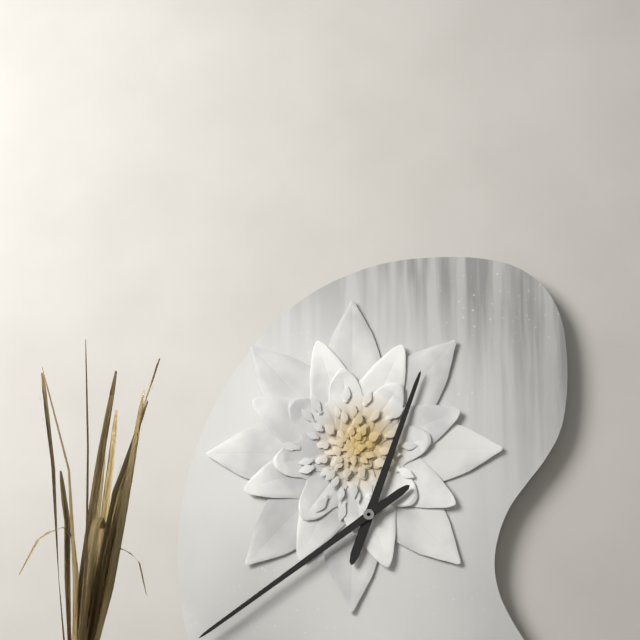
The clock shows h=12 m=39
